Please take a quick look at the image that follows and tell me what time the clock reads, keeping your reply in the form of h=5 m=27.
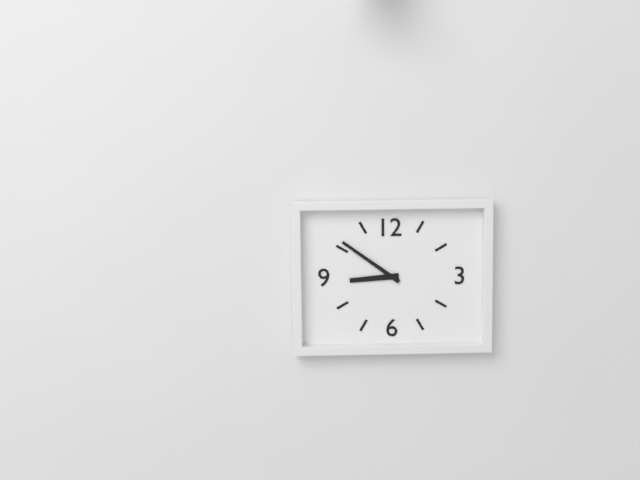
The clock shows h=8 m=51
